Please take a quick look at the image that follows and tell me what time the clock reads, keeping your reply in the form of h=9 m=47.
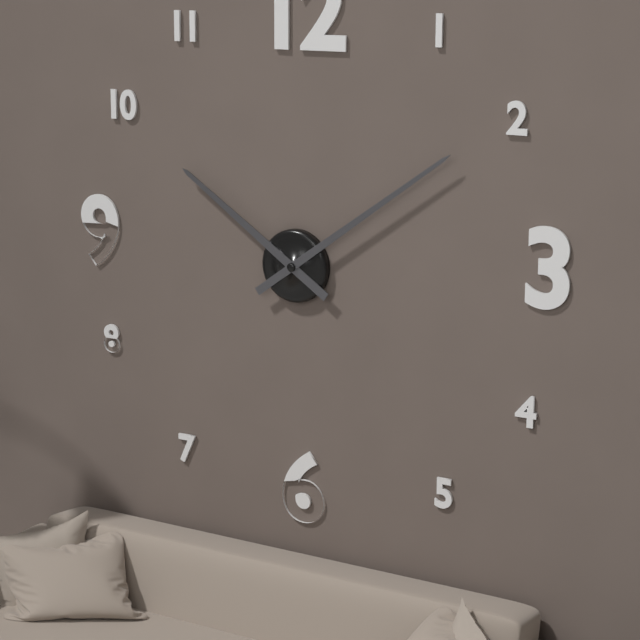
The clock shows h=10 m=9
